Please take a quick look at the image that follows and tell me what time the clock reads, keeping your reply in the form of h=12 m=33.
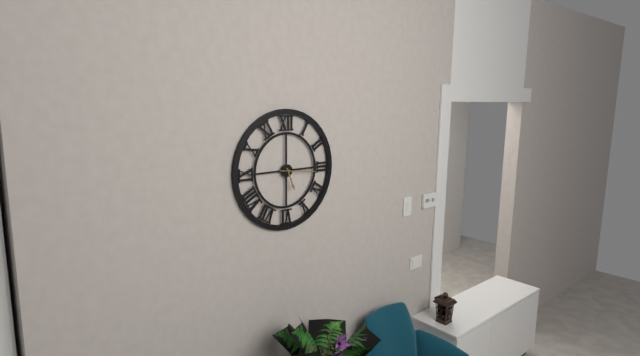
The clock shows h=5 m=16
